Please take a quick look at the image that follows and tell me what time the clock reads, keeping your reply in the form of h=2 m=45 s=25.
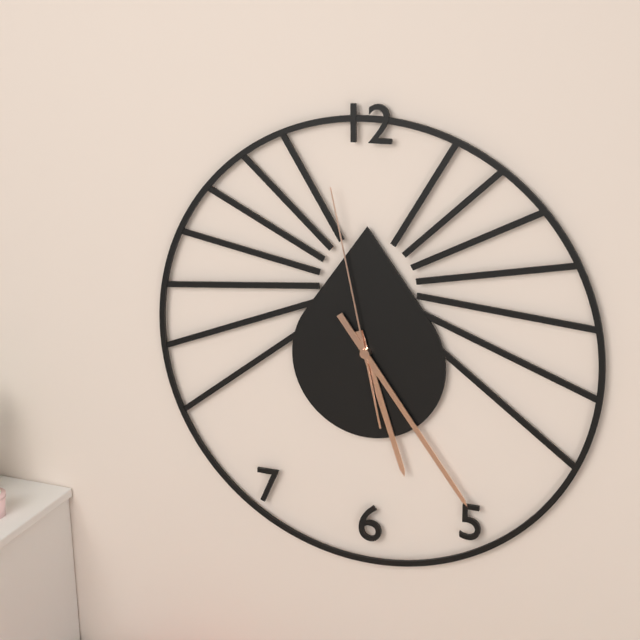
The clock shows h=5 m=24 s=58
